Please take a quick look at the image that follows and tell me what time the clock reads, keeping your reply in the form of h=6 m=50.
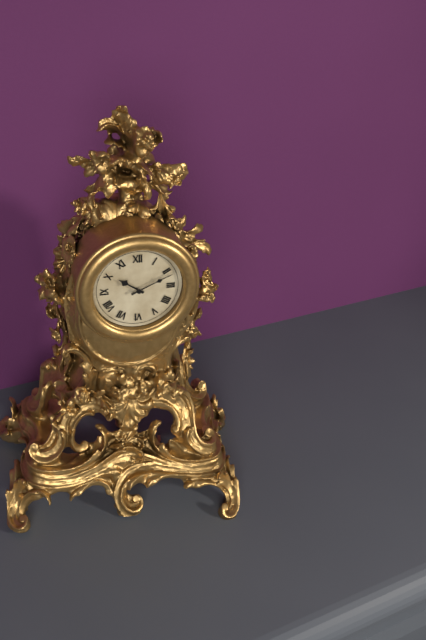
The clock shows h=10 m=11
